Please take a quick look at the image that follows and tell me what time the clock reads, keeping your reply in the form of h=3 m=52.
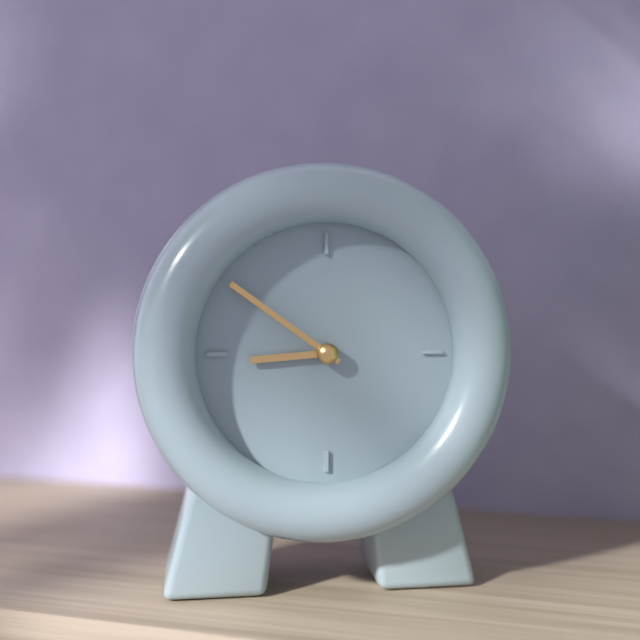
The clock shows h=8 m=51
